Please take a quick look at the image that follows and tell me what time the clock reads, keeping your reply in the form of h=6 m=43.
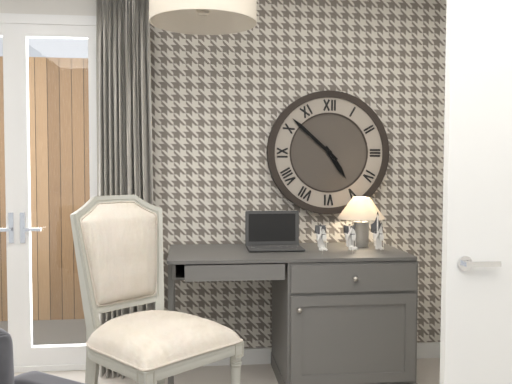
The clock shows h=4 m=52
